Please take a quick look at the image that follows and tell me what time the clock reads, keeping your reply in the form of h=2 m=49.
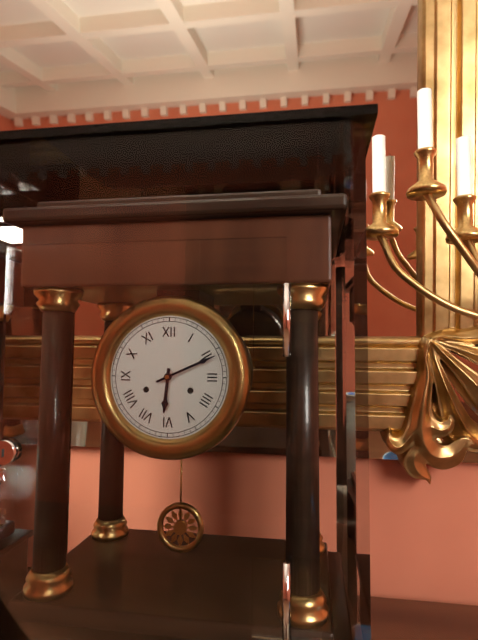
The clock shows h=6 m=11
